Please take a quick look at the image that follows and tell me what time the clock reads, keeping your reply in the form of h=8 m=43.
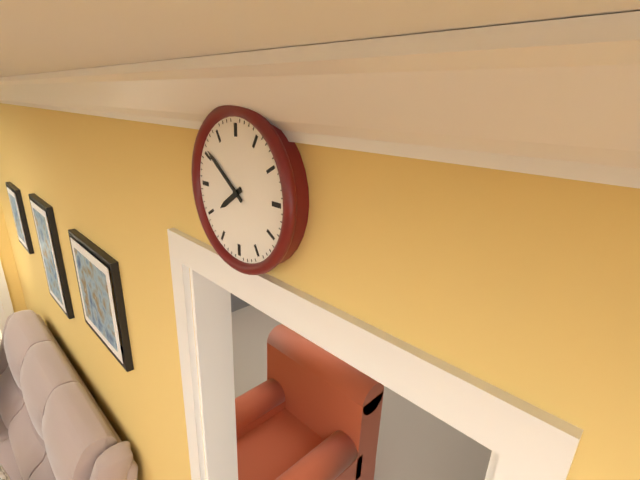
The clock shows h=7 m=51
